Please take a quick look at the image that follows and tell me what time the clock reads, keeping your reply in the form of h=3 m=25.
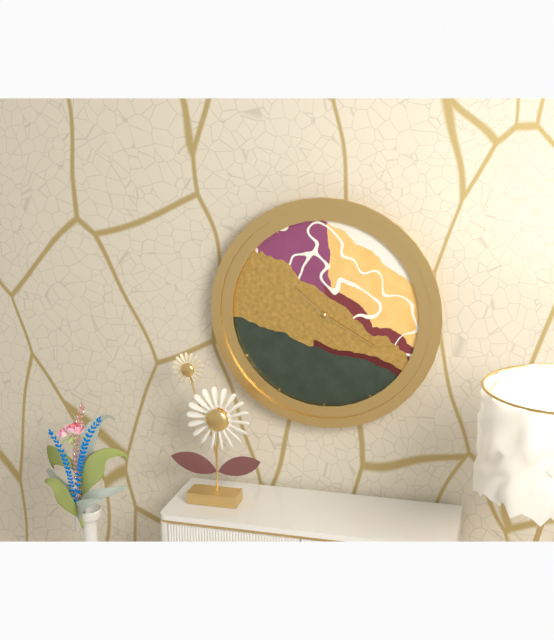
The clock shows h=10 m=20
